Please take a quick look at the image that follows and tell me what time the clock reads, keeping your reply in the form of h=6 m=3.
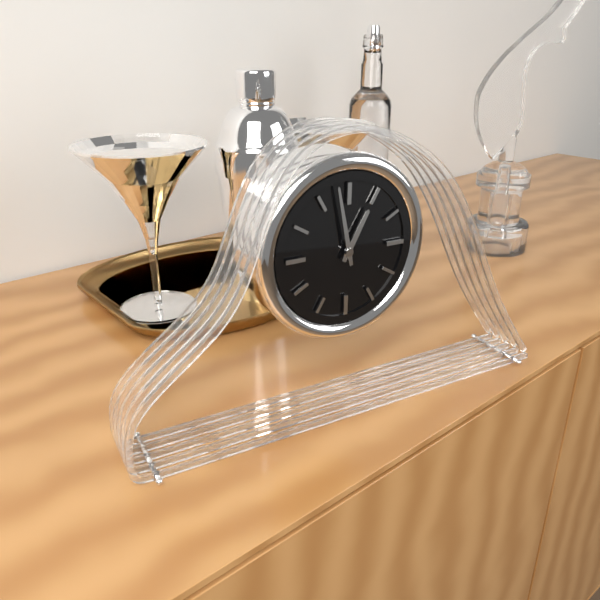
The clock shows h=12 m=58
